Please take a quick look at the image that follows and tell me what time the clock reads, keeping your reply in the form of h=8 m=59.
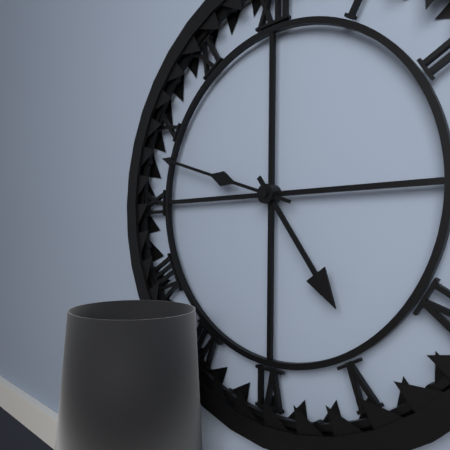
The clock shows h=4 m=48
